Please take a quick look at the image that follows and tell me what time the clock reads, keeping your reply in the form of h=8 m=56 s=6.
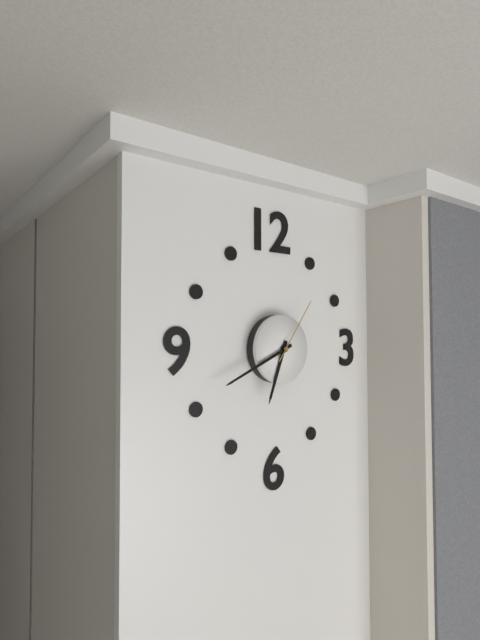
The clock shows h=6 m=41 s=6
